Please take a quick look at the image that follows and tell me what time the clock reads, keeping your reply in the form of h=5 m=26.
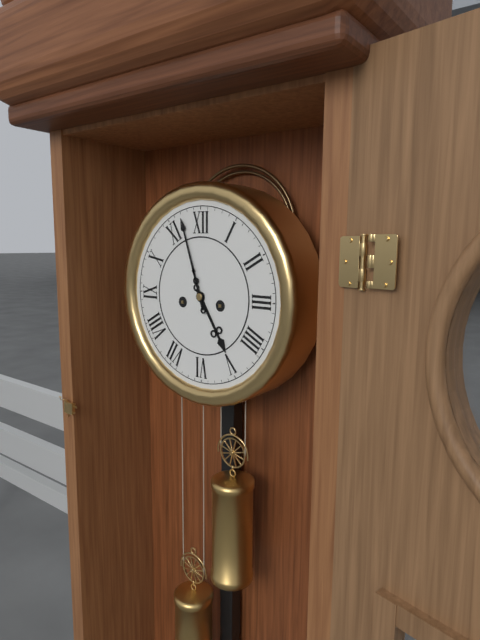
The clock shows h=4 m=57
